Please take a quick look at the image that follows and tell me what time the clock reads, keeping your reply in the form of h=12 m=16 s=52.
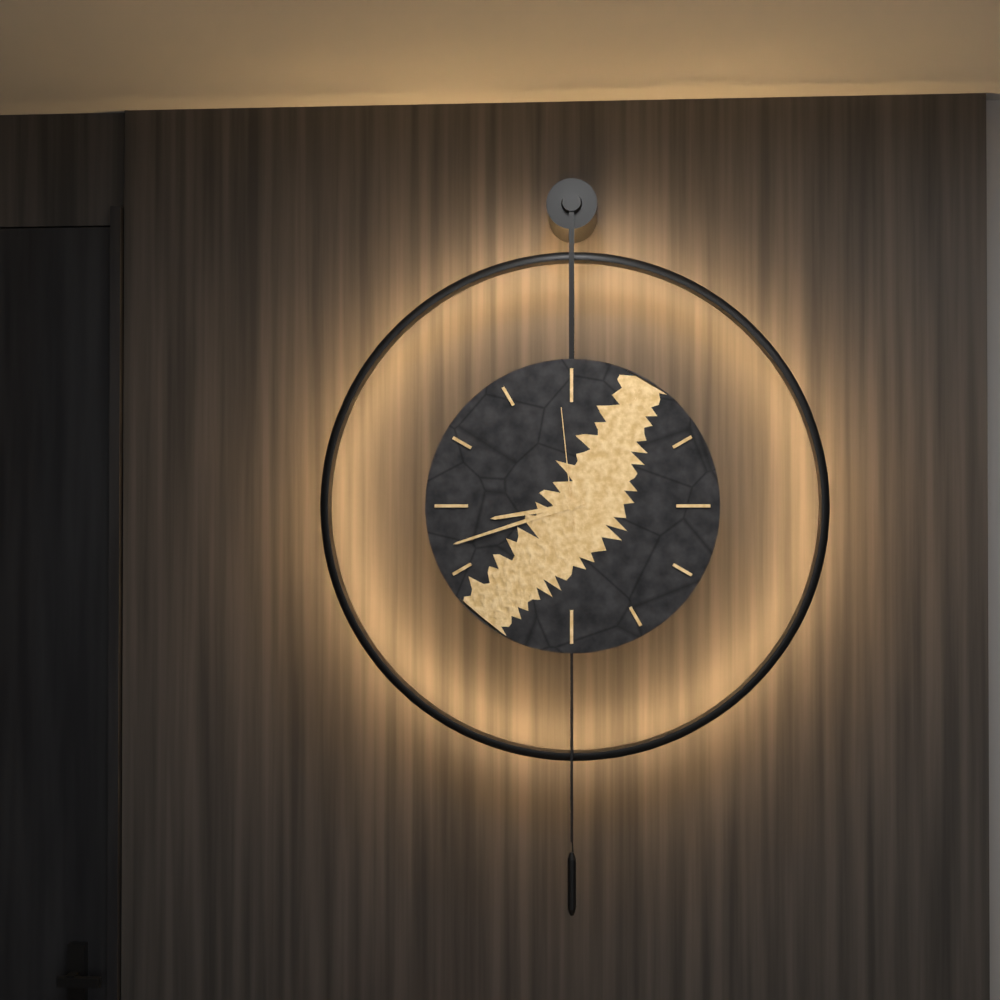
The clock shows h=8 m=42 s=59
